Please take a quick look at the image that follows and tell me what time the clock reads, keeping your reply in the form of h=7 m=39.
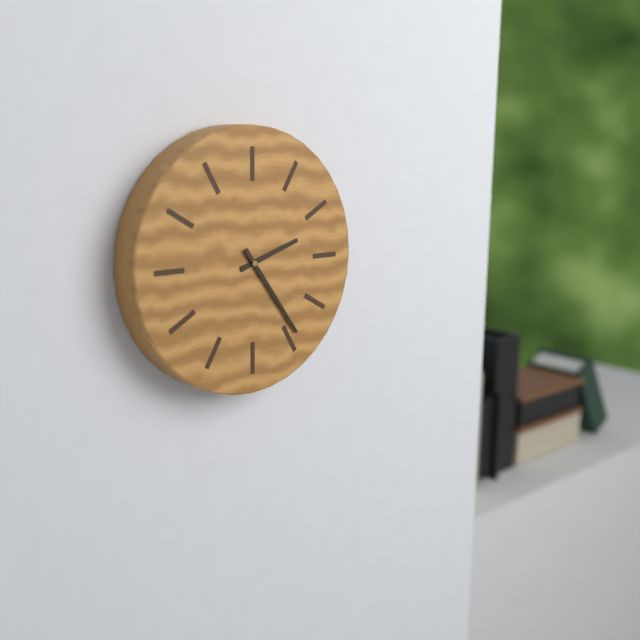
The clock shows h=2 m=24
